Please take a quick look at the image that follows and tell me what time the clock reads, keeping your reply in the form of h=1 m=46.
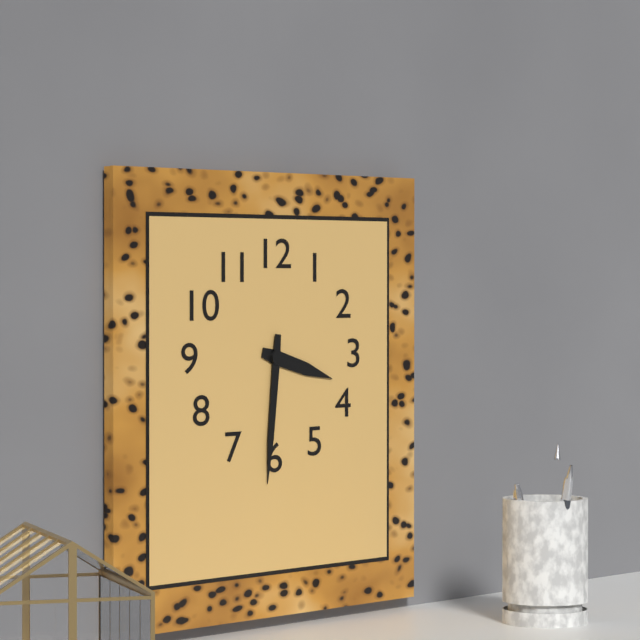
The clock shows h=3 m=31
